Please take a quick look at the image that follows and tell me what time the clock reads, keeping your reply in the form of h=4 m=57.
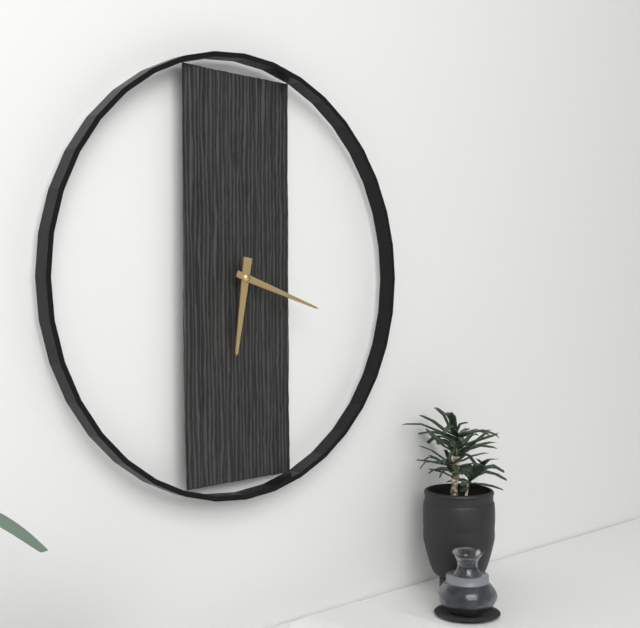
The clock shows h=6 m=18
